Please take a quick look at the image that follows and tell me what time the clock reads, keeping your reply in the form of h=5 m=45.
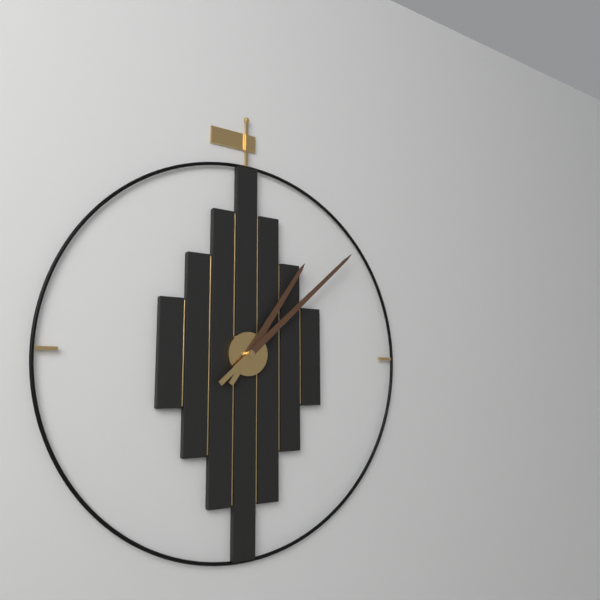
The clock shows h=1 m=8
